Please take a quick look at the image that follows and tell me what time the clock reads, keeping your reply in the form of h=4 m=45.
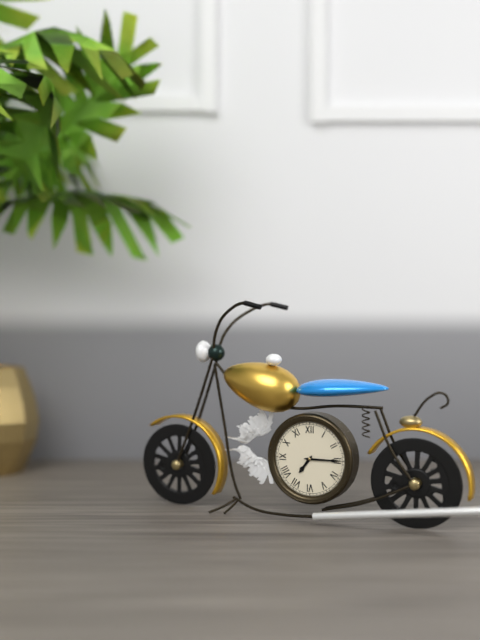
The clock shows h=7 m=15
